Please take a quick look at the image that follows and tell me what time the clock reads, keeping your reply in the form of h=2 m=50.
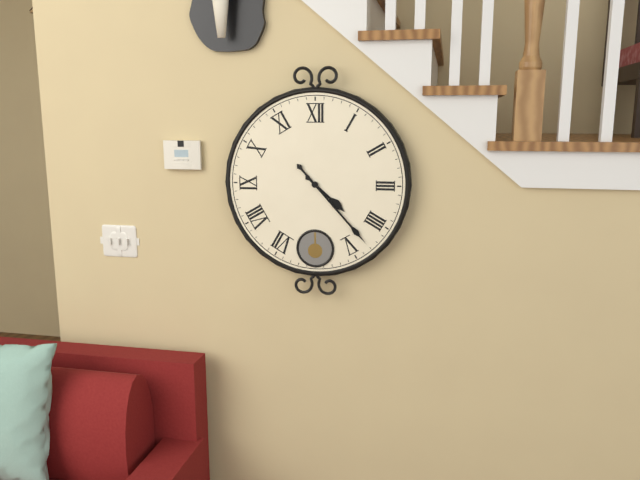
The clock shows h=4 m=23
